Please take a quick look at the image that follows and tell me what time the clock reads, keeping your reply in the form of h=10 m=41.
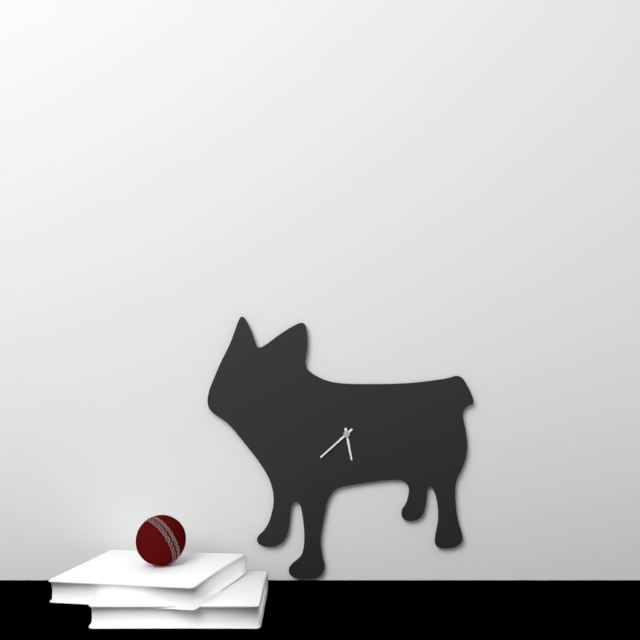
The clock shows h=5 m=38
